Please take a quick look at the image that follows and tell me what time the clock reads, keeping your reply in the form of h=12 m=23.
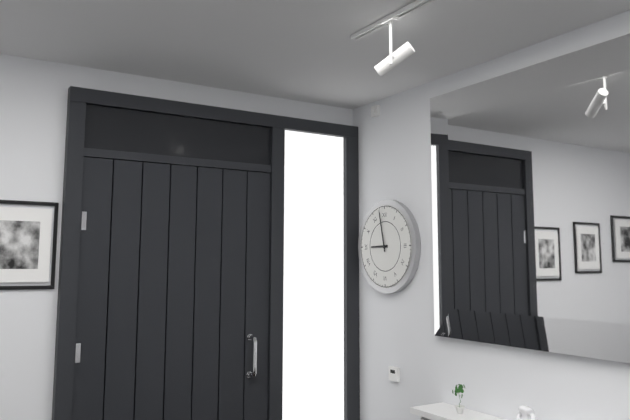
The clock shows h=8 m=58
